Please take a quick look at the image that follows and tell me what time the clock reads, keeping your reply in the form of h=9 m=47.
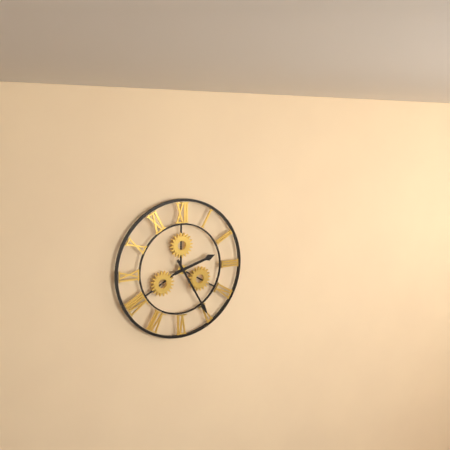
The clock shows h=2 m=25
